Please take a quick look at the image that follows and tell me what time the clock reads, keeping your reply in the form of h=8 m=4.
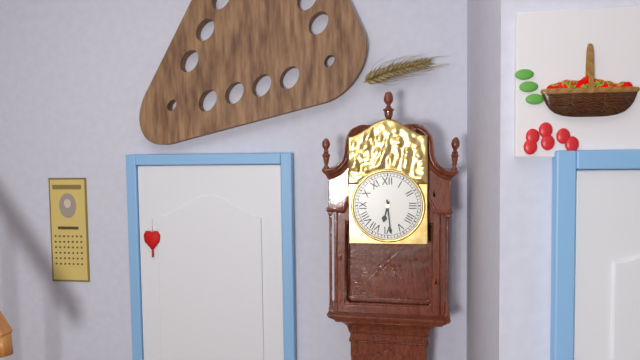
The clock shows h=6 m=29
